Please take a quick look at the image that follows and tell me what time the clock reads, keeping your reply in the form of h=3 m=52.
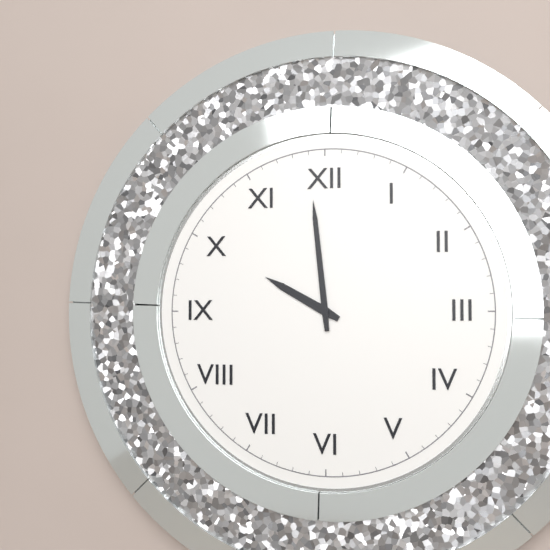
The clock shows h=9 m=59
